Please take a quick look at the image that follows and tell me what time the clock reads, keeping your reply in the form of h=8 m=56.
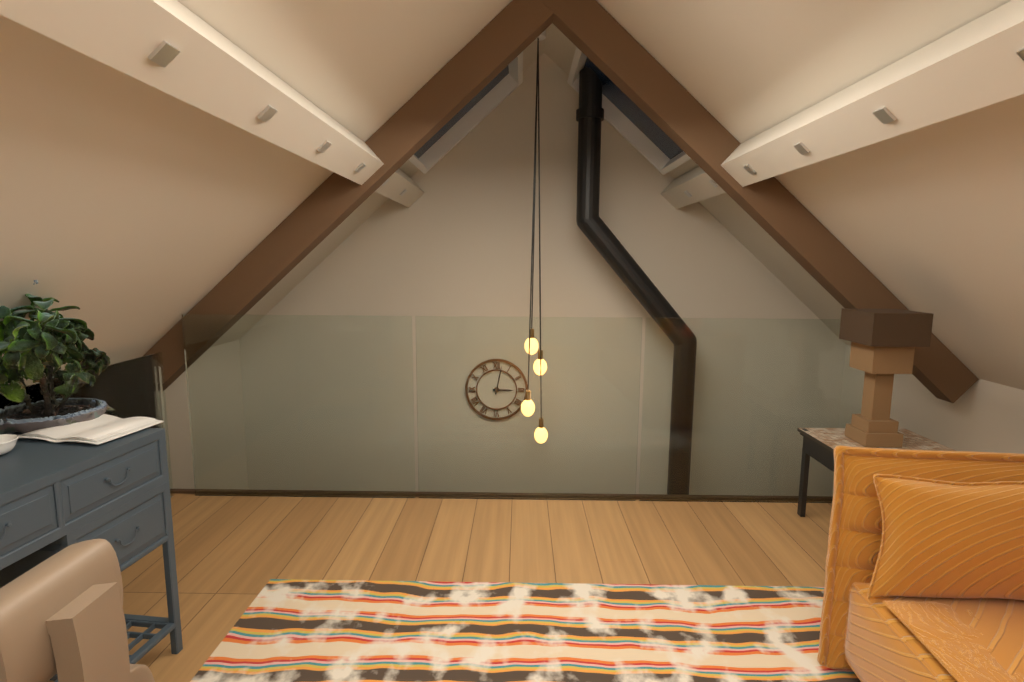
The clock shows h=3 m=2
